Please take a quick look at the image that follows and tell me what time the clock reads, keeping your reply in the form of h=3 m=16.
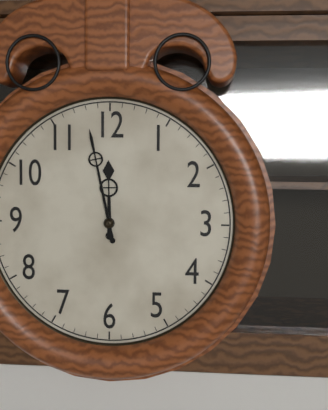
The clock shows h=11 m=58
